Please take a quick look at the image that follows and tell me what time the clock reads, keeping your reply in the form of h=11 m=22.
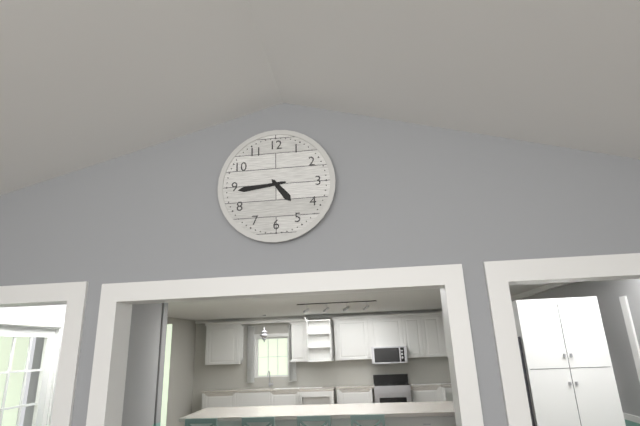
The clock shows h=4 m=44
